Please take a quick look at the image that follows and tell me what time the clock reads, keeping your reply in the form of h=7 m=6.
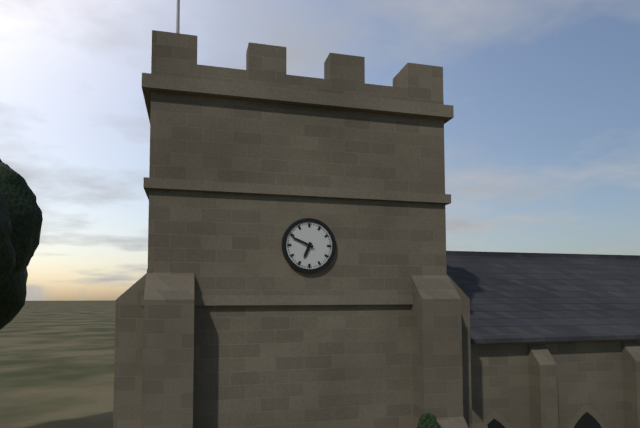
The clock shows h=6 m=49
